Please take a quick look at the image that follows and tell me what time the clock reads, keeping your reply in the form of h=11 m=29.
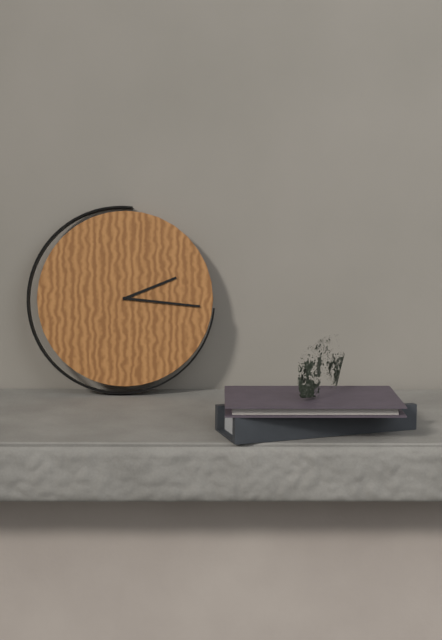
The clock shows h=2 m=16
